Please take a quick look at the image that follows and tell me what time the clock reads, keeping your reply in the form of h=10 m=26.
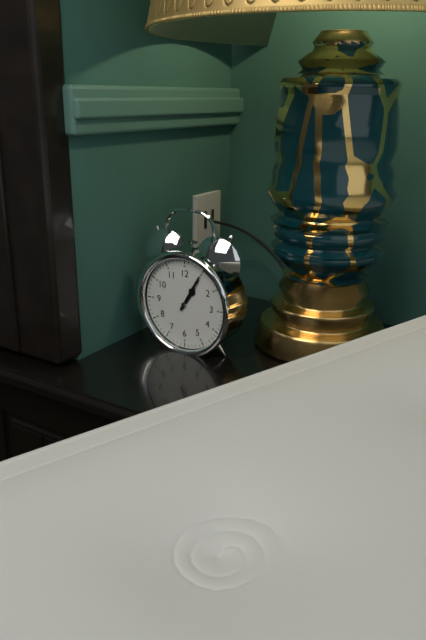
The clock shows h=1 m=5
